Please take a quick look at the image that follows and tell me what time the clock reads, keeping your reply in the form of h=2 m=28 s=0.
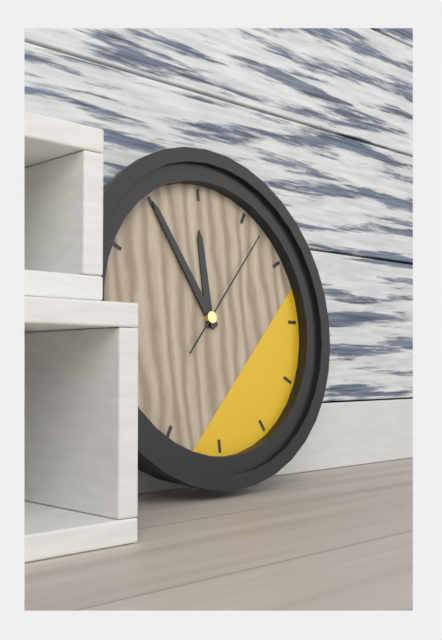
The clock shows h=11 m=55 s=7
